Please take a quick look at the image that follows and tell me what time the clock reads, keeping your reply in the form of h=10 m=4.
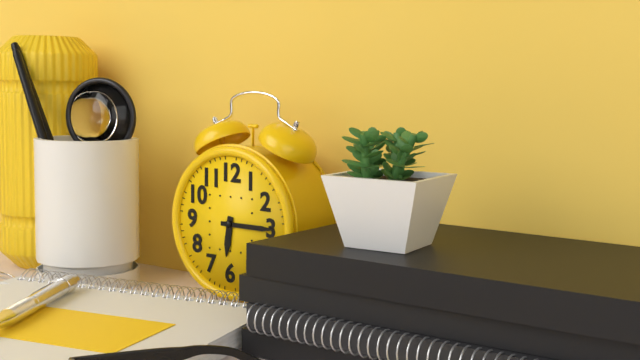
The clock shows h=6 m=15
